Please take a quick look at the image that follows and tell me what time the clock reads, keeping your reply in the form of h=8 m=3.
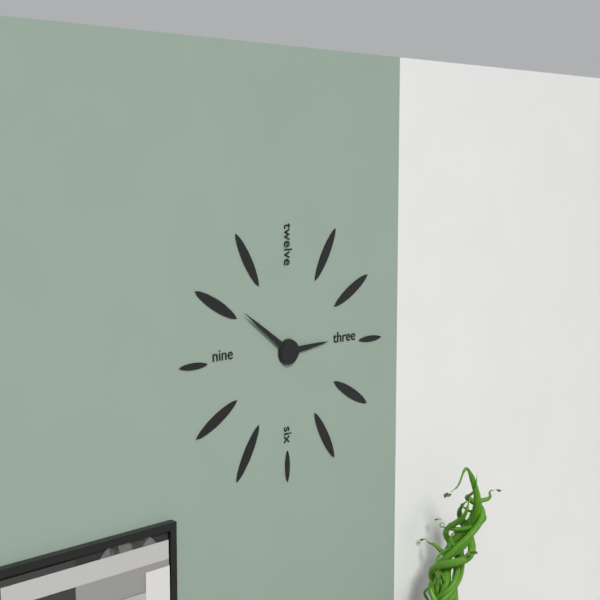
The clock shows h=2 m=51
